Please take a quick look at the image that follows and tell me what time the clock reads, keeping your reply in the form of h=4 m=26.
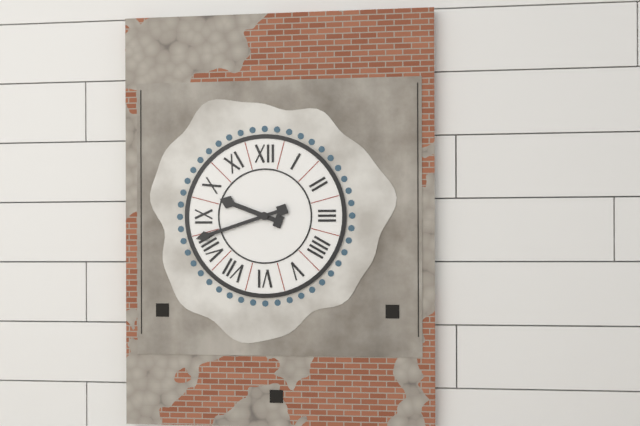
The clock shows h=9 m=42
